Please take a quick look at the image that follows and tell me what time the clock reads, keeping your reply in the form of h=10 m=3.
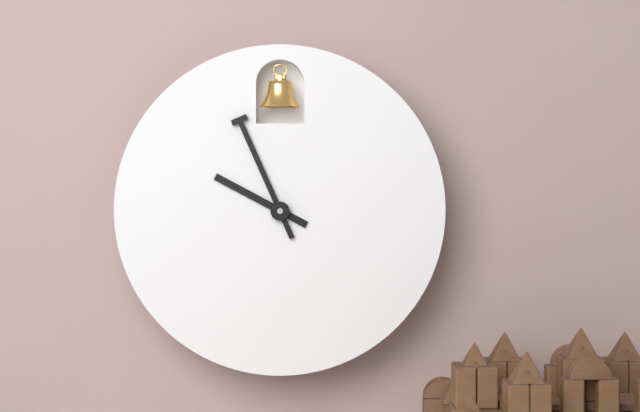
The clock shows h=9 m=56
